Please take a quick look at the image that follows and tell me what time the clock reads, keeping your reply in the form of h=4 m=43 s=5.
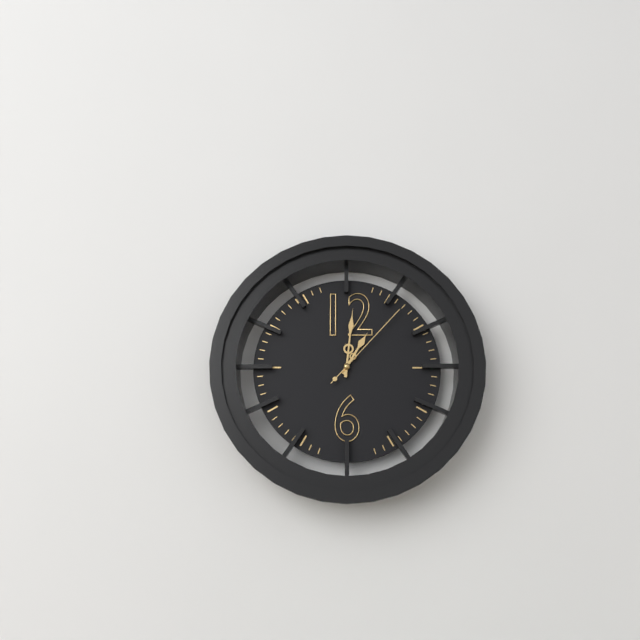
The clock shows h=1 m=1 s=7
